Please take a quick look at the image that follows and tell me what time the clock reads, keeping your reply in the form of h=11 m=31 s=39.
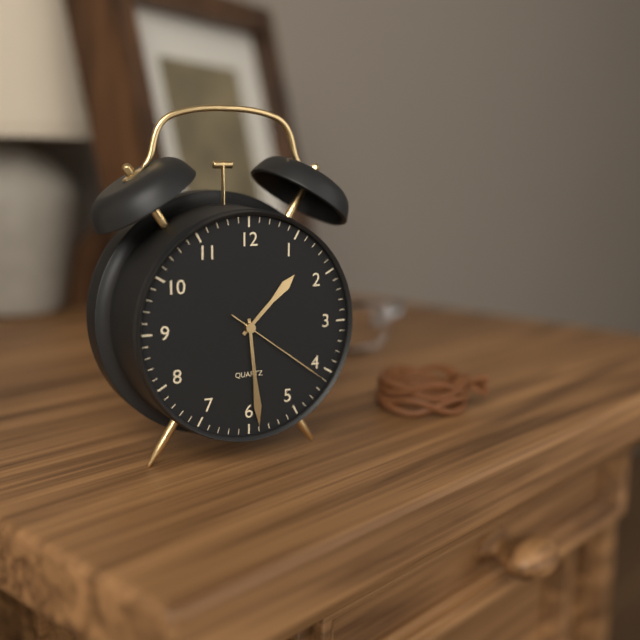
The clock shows h=1 m=29 s=21
